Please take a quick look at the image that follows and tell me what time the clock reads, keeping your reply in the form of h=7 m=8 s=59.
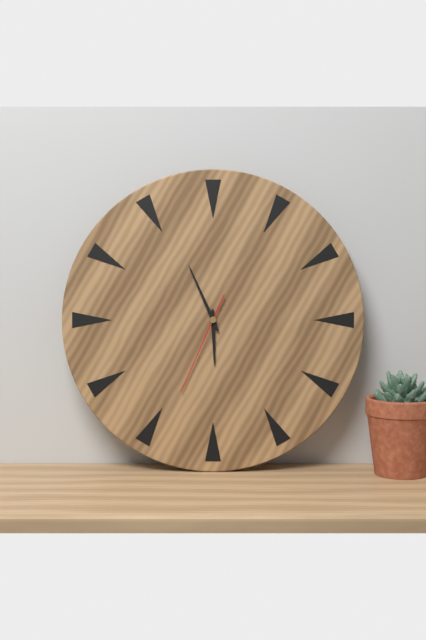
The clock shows h=5 m=56 s=34
